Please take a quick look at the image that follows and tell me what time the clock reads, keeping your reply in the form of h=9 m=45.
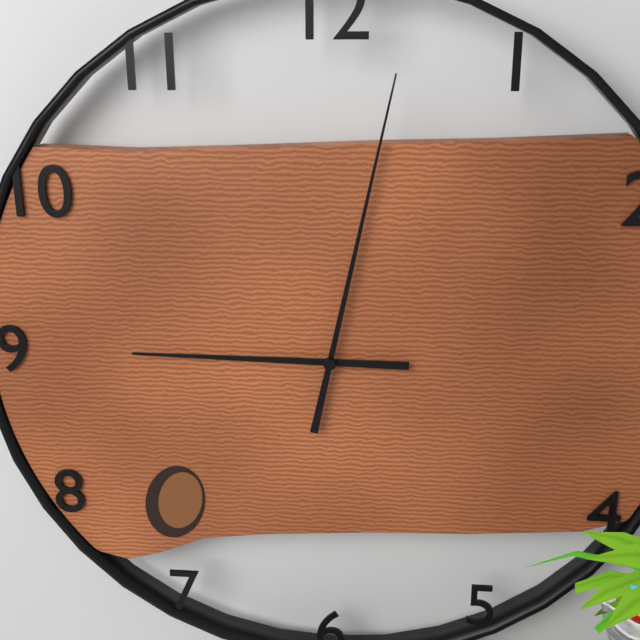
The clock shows h=9 m=2
